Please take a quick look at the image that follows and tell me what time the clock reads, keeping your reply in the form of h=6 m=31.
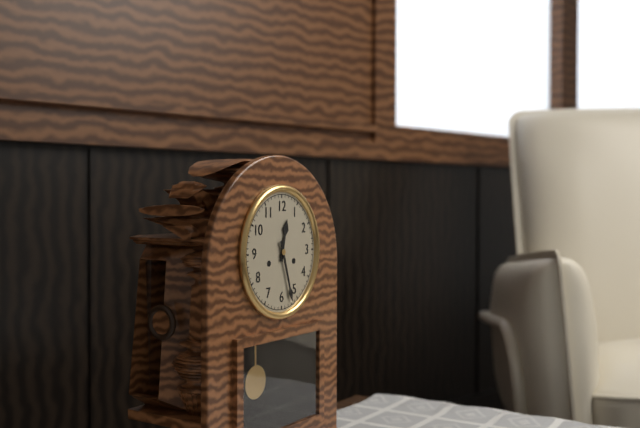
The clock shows h=12 m=27
